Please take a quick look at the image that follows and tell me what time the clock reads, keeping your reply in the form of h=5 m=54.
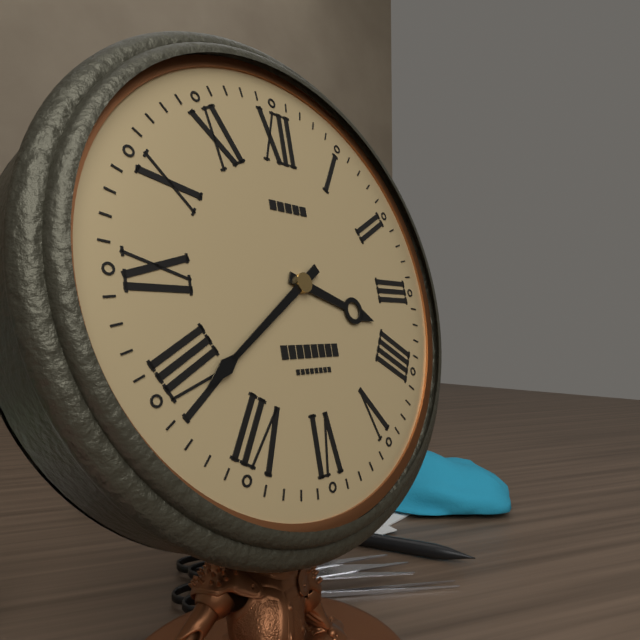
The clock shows h=3 m=39
